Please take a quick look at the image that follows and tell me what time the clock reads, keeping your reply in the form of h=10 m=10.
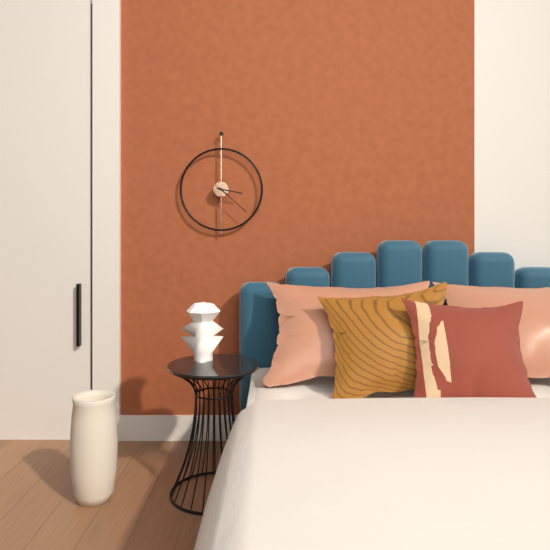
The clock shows h=3 m=22
